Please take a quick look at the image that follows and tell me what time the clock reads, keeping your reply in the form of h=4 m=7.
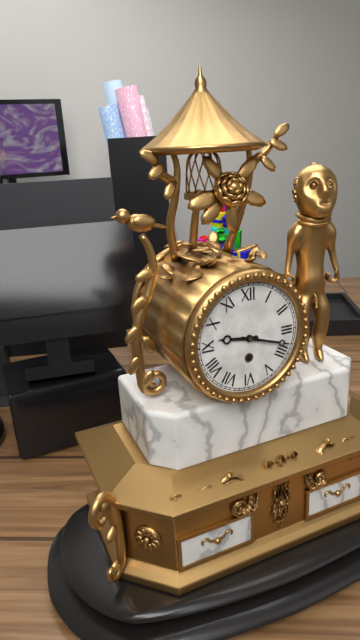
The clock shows h=9 m=18
